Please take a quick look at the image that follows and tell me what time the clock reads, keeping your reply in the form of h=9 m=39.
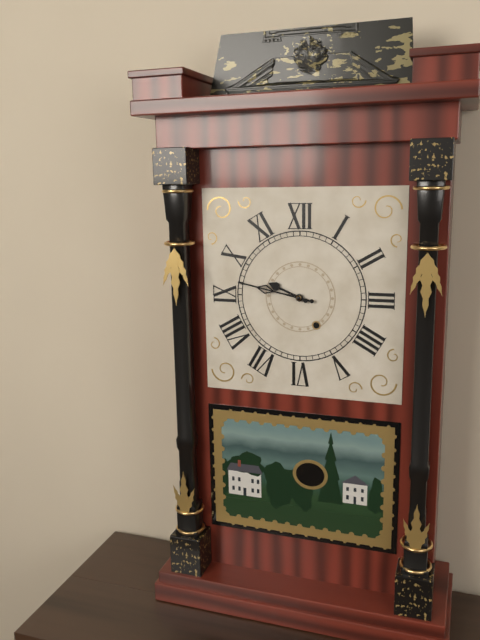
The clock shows h=9 m=47
